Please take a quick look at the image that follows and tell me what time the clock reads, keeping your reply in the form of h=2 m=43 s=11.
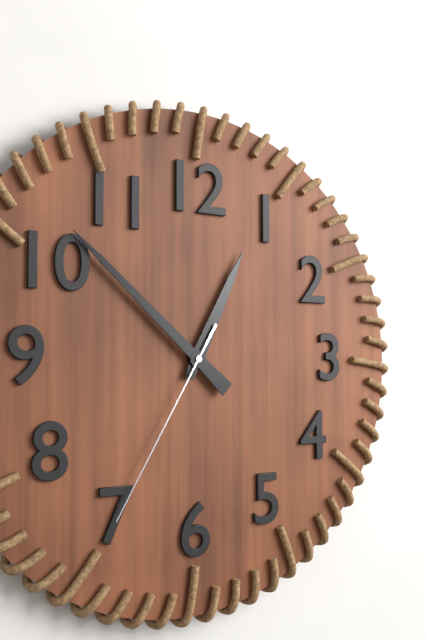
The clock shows h=12 m=52 s=35
